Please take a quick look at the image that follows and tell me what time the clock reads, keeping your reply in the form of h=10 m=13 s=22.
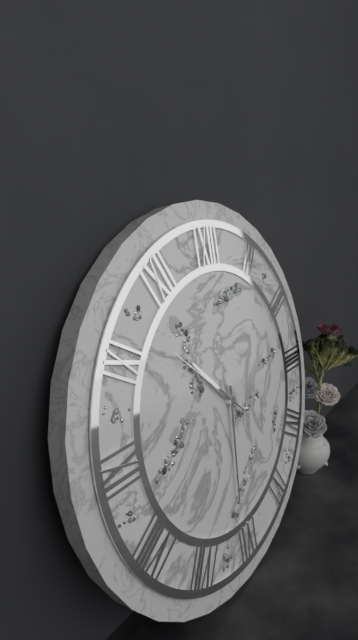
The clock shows h=10 m=31 s=52
